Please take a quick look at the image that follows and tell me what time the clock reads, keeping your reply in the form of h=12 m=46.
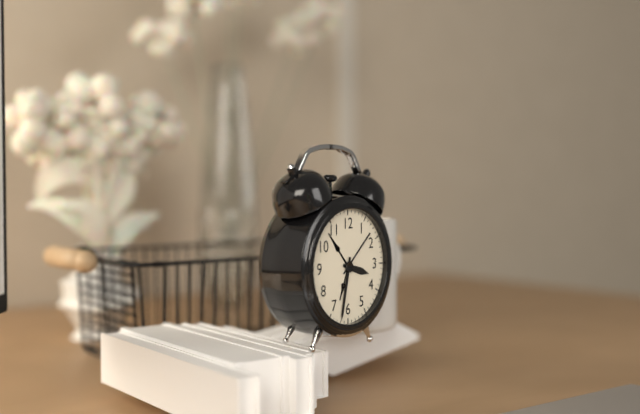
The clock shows h=3 m=32
